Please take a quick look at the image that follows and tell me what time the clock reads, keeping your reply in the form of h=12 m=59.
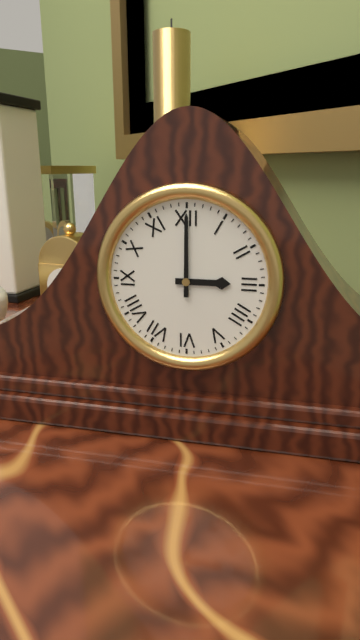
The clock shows h=3 m=0
